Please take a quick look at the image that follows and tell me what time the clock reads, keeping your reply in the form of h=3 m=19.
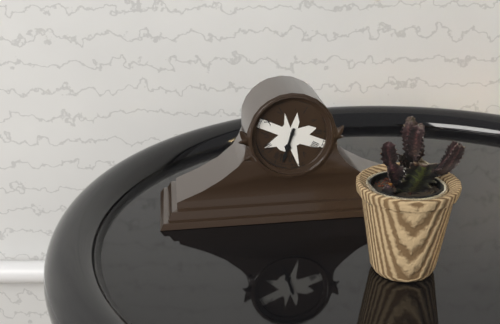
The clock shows h=6 m=33
